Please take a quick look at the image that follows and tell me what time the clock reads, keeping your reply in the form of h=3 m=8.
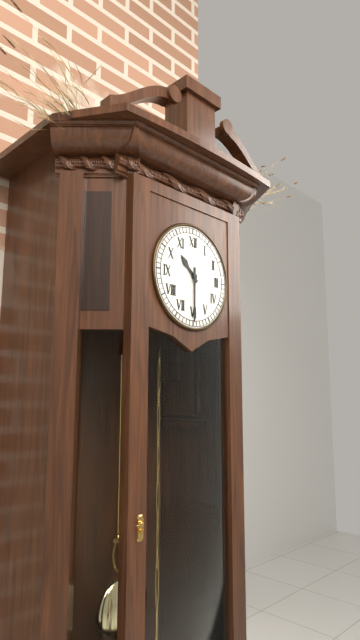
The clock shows h=10 m=30
